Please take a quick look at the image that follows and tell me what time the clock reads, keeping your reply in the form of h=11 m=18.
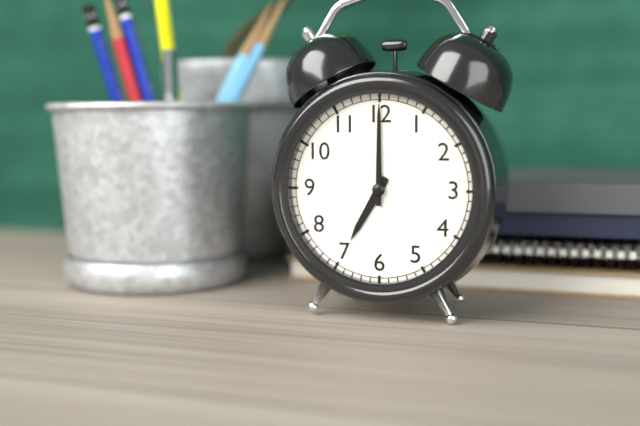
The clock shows h=7 m=0
